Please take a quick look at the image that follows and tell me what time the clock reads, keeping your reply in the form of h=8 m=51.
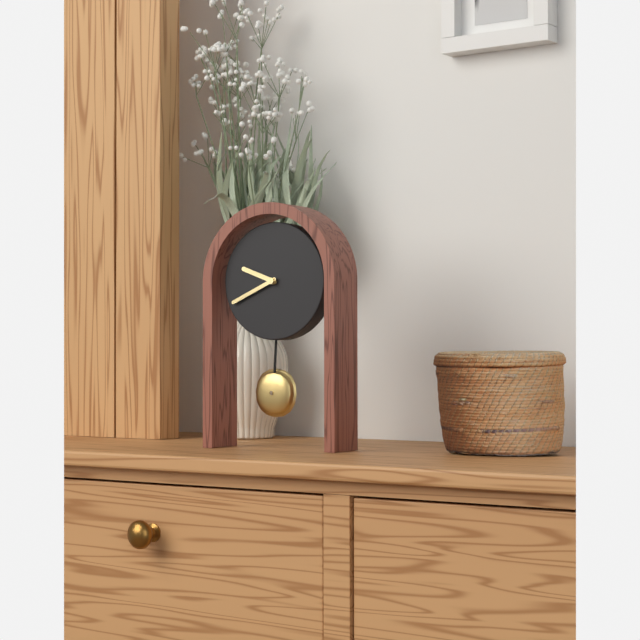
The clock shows h=9 m=41
